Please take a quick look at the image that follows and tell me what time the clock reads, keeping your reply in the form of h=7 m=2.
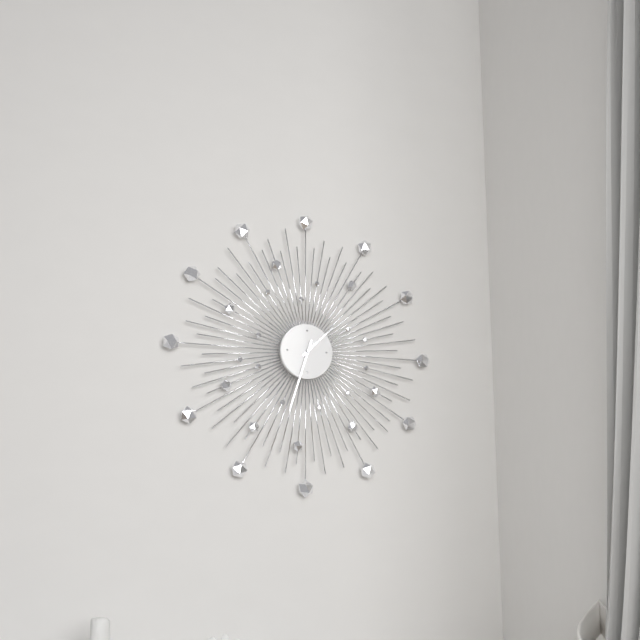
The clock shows h=1 m=33
